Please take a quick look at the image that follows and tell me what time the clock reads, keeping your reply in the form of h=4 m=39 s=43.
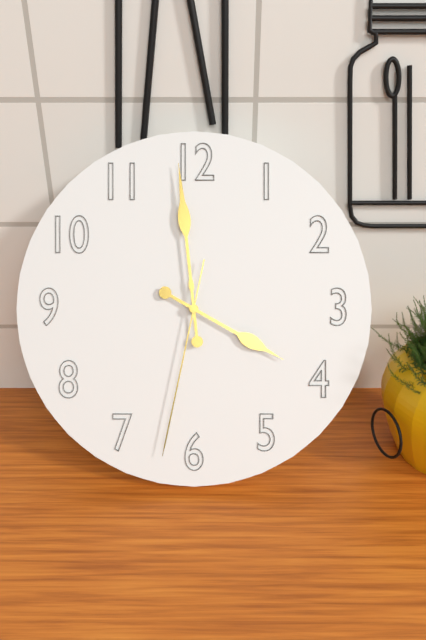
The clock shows h=3 m=59 s=32
